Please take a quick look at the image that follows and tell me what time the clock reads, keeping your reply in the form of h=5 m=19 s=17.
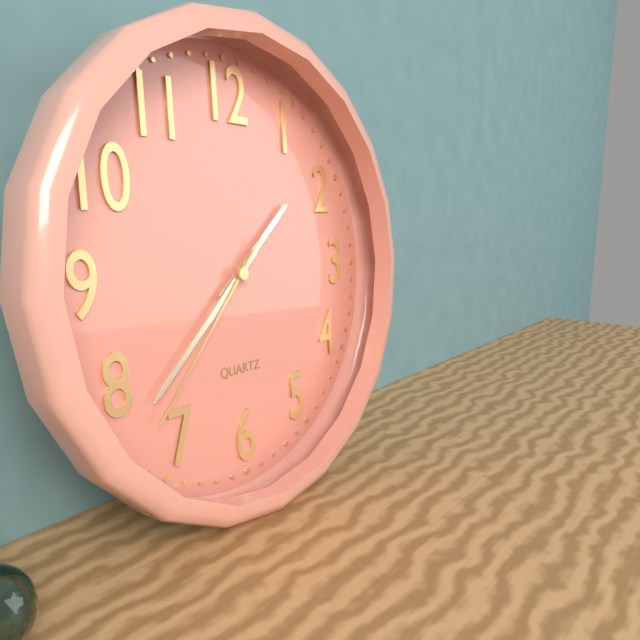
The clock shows h=1 m=38 s=37
